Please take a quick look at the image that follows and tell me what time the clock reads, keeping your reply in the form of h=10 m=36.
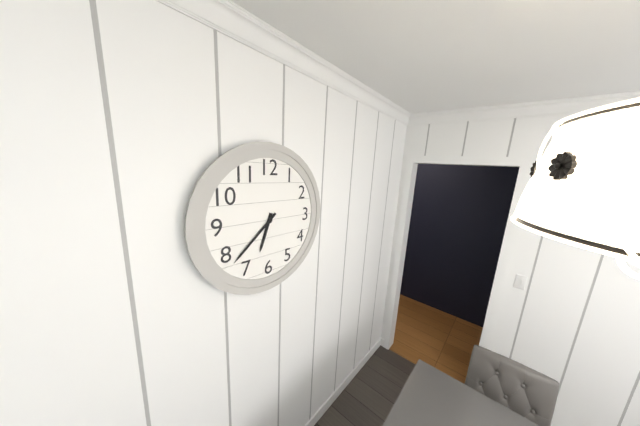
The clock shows h=6 m=38
